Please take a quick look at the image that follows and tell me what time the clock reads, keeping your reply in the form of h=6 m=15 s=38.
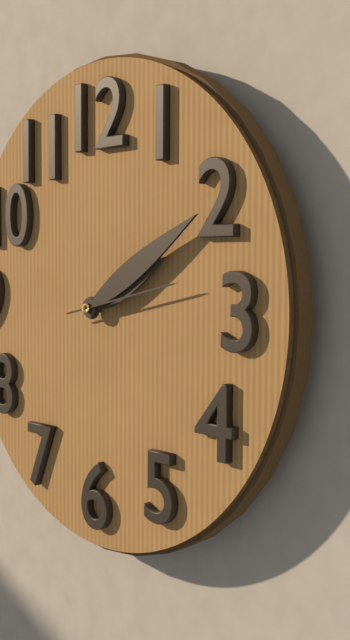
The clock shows h=2 m=10 s=13
